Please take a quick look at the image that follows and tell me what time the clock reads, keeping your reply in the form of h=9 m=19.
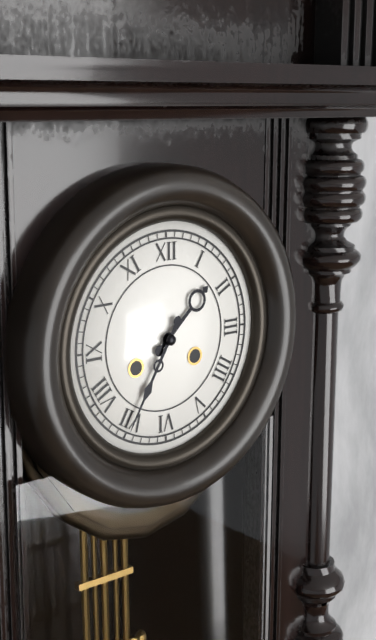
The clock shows h=1 m=35
